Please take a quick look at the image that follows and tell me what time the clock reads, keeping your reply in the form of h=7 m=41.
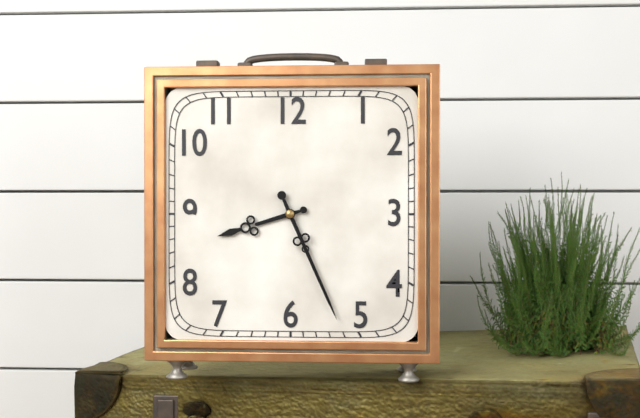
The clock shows h=8 m=26
